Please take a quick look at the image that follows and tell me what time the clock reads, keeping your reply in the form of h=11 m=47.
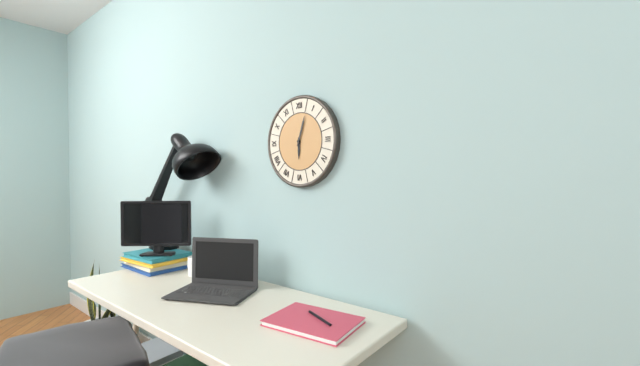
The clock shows h=6 m=3
